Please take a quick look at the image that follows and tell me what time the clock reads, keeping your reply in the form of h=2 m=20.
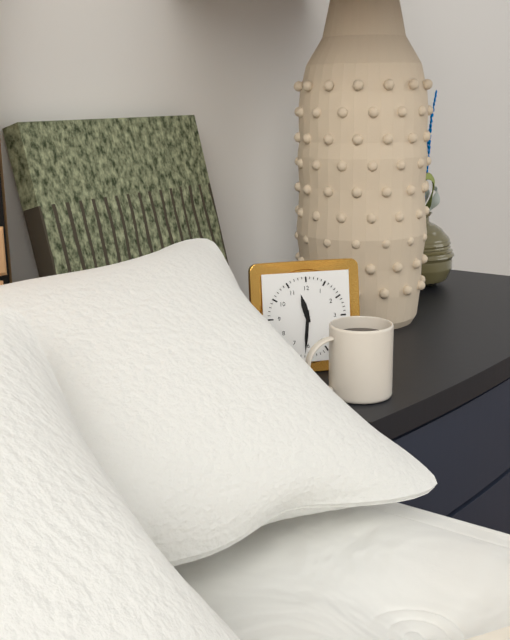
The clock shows h=11 m=31
